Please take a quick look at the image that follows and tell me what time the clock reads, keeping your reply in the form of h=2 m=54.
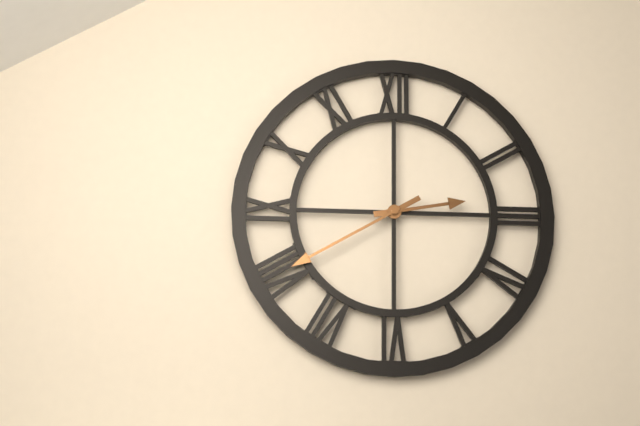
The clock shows h=2 m=40
